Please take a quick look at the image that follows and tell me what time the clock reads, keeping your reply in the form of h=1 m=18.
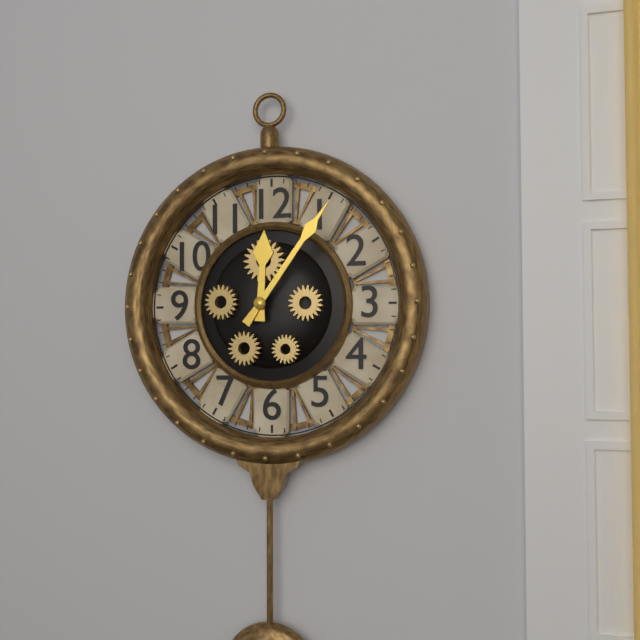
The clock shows h=12 m=6
